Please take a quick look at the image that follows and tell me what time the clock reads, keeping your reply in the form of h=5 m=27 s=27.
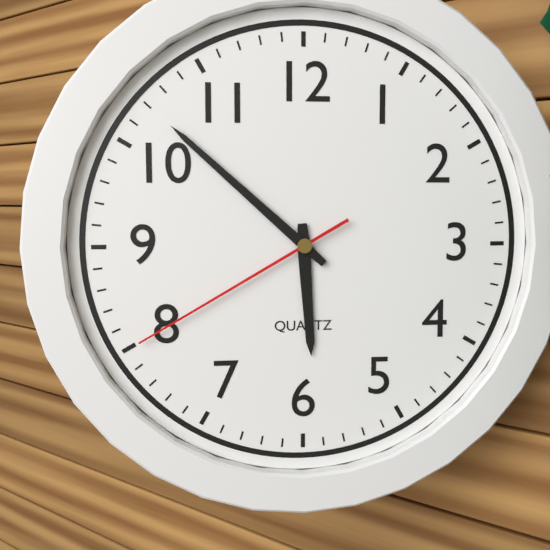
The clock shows h=5 m=52 s=40
